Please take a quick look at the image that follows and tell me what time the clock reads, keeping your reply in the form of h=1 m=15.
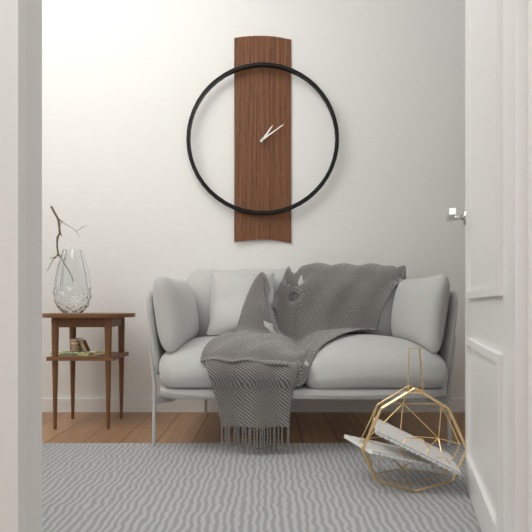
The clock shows h=1 m=9
